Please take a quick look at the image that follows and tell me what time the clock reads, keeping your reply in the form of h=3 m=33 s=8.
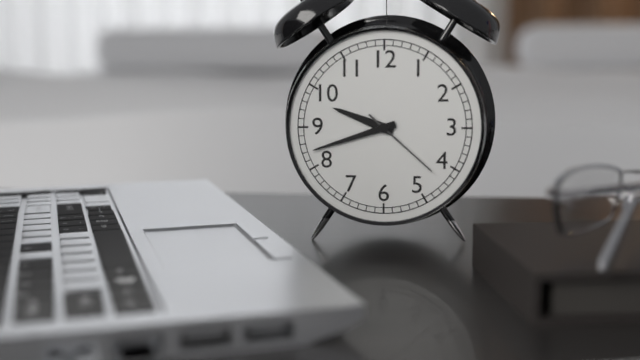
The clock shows h=9 m=42 s=22
